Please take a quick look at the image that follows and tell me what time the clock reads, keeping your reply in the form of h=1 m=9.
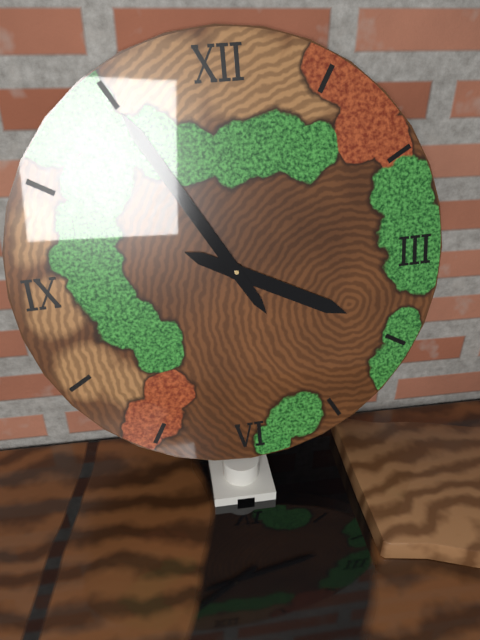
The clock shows h=3 m=55
